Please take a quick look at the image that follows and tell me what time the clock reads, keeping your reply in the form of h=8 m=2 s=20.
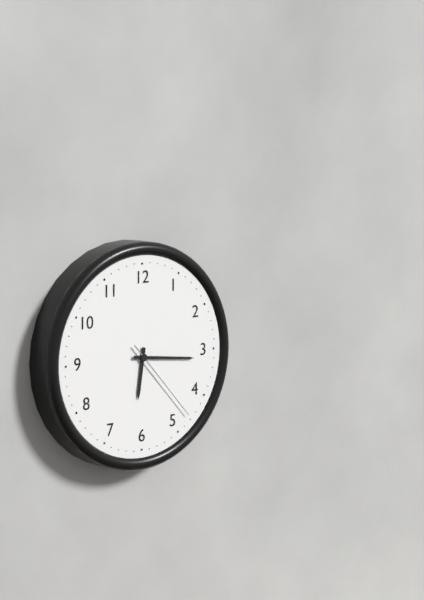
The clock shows h=6 m=16 s=23
